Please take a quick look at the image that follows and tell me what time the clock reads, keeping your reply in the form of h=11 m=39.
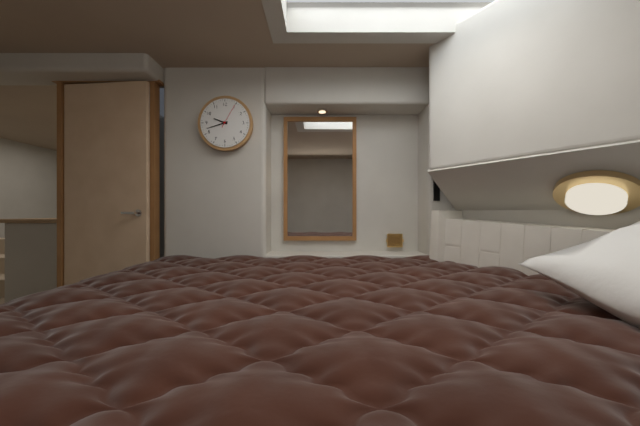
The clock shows h=9 m=42
